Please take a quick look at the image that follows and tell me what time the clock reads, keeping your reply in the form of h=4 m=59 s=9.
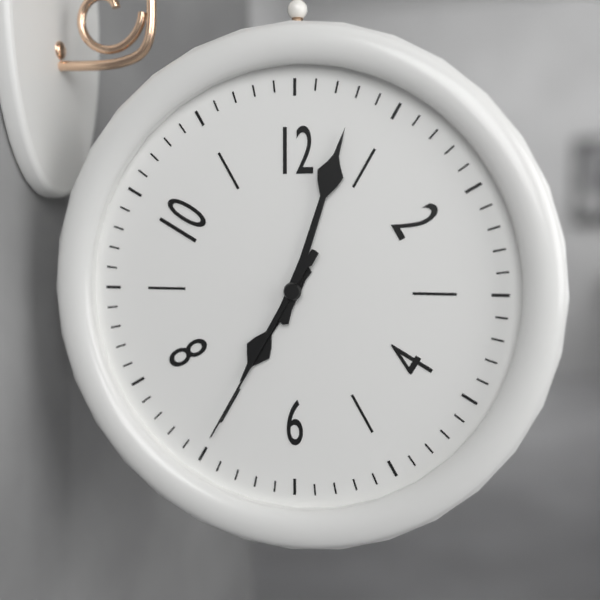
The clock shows h=7 m=3 s=35
